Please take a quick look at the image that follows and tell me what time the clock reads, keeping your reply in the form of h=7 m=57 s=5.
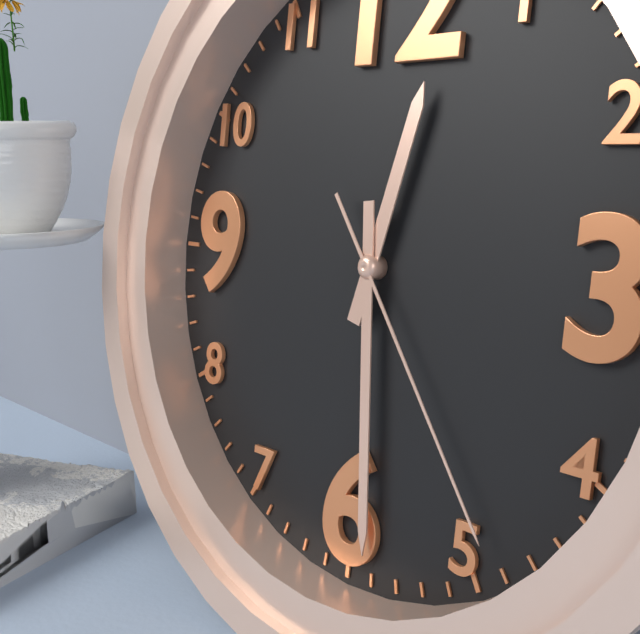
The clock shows h=12 m=29 s=24
